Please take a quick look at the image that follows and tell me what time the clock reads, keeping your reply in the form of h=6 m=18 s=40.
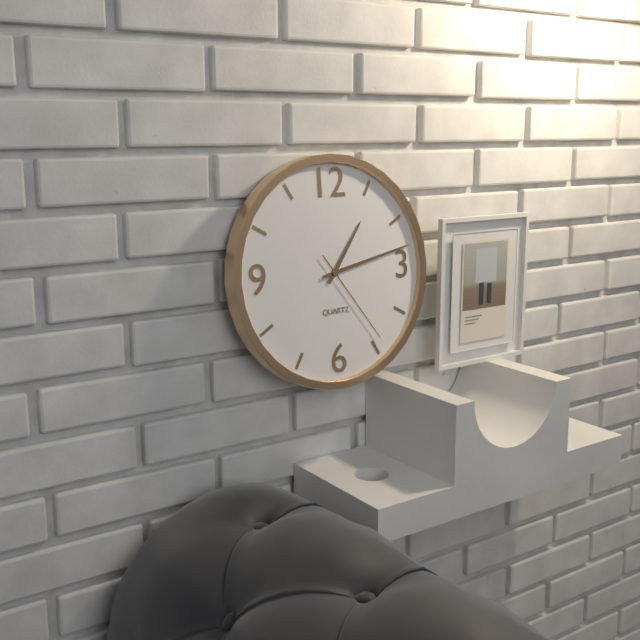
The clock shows h=1 m=13 s=24
